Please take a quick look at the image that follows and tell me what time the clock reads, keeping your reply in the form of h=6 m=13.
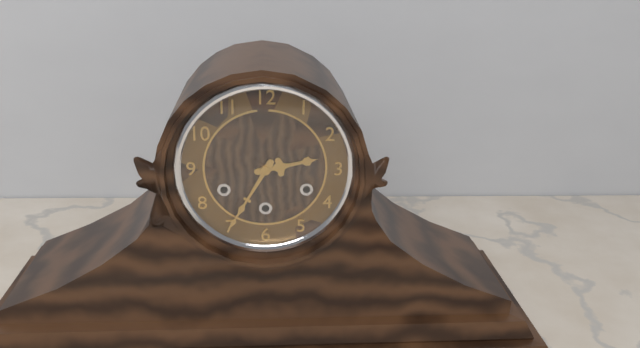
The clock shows h=2 m=35
